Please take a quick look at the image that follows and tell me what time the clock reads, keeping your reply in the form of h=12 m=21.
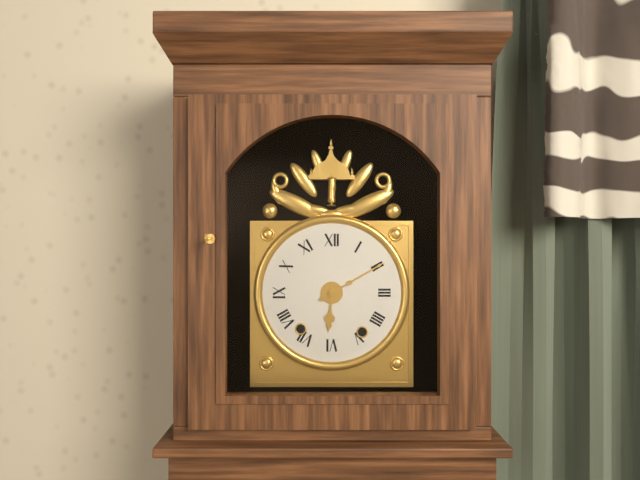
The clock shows h=6 m=10
